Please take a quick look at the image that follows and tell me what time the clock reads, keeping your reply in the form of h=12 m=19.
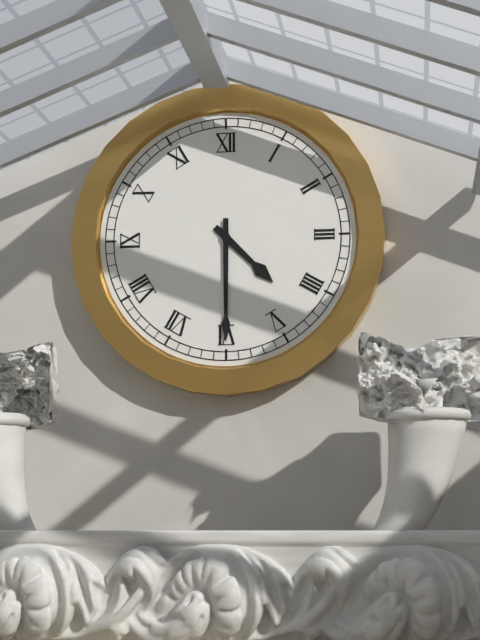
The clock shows h=4 m=30
